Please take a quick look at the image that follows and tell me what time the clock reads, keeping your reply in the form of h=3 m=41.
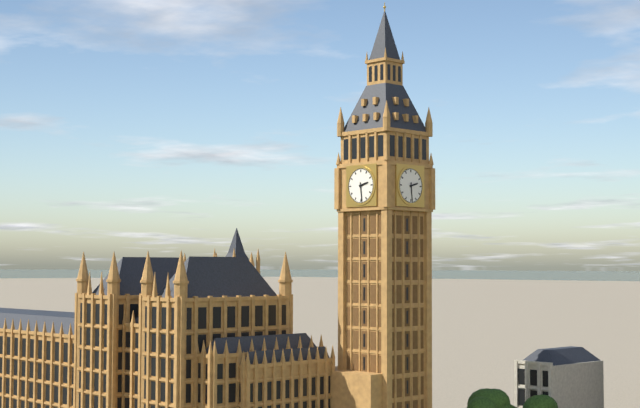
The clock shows h=2 m=29
